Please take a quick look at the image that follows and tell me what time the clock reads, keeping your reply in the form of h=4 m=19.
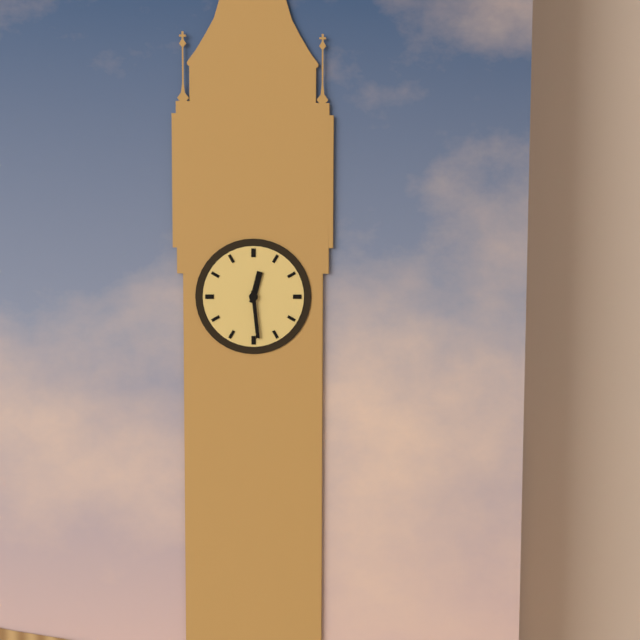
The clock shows h=12 m=29
